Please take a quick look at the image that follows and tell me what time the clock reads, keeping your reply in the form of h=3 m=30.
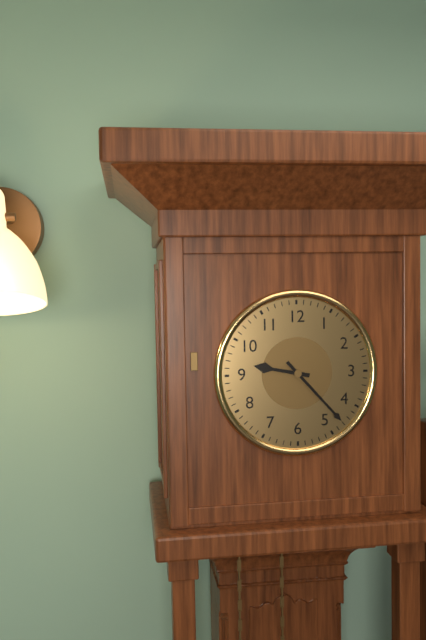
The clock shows h=9 m=23
